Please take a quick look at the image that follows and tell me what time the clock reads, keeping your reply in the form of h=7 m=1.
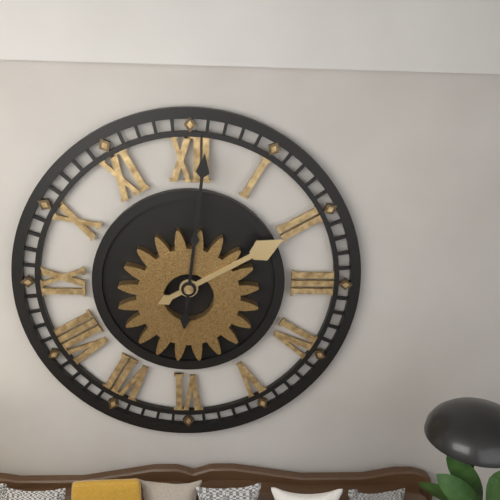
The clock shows h=2 m=1
